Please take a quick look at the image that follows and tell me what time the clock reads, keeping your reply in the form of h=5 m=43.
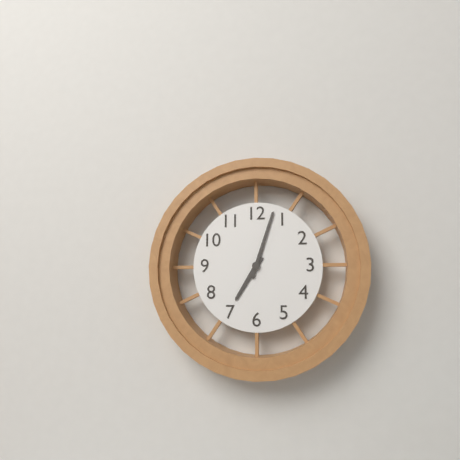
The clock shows h=7 m=3
